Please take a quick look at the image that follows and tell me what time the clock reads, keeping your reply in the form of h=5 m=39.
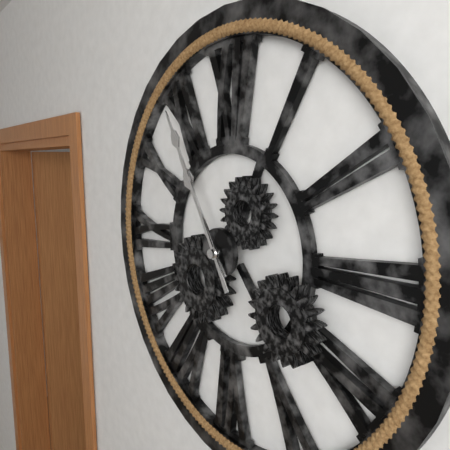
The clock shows h=10 m=55
